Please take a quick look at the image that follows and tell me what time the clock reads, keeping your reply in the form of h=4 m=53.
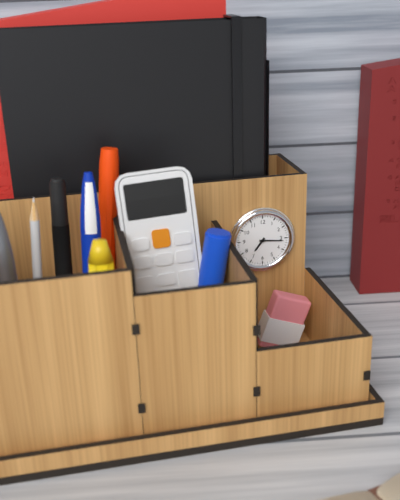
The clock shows h=7 m=16
